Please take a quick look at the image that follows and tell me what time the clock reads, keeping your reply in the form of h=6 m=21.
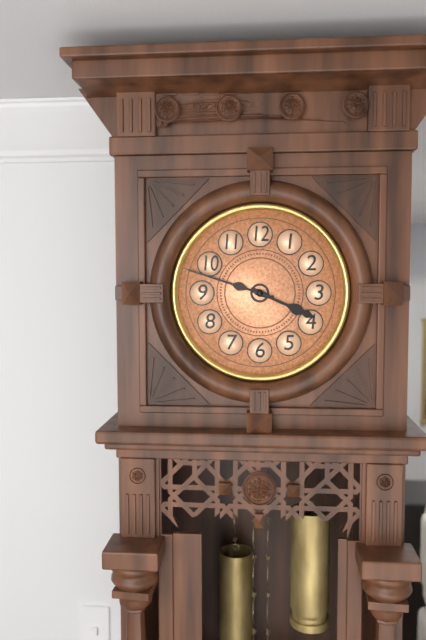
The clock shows h=3 m=48
